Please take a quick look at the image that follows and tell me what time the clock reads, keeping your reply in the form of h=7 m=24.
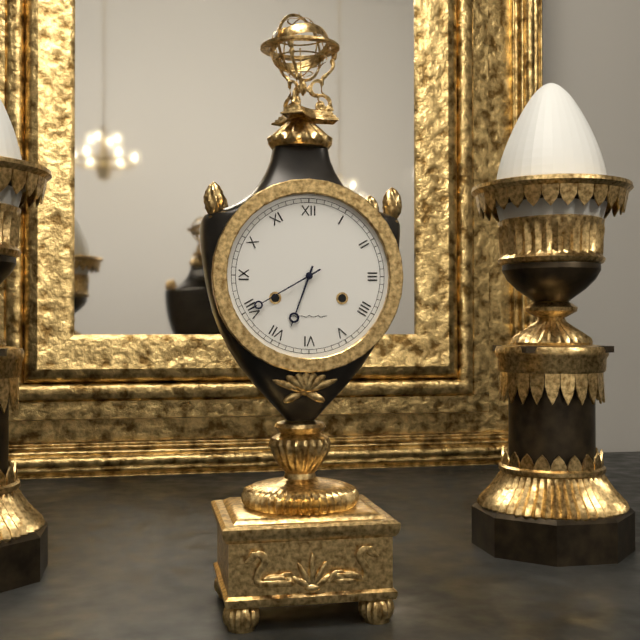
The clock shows h=6 m=40
